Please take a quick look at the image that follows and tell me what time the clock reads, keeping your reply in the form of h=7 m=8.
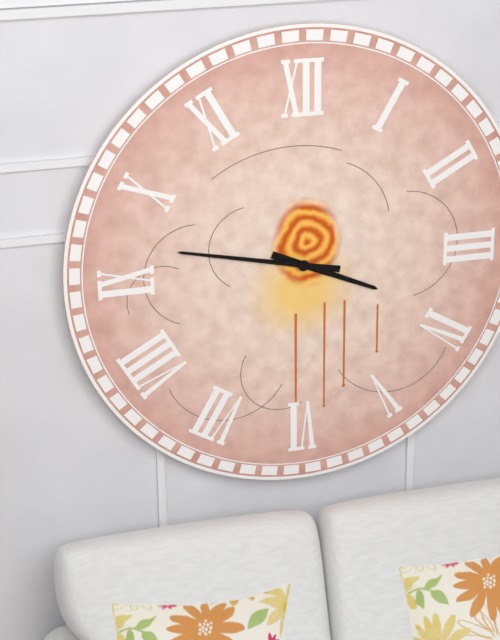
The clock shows h=3 m=47
